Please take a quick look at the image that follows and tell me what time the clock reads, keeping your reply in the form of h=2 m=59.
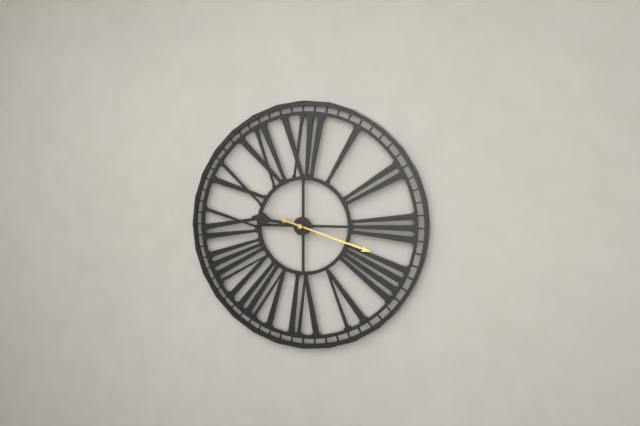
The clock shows h=9 m=18
